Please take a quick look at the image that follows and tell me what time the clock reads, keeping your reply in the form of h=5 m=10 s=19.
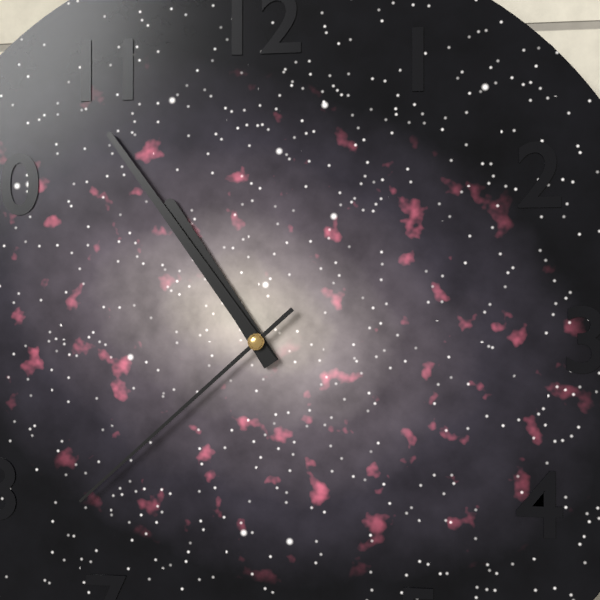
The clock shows h=10 m=54 s=38
